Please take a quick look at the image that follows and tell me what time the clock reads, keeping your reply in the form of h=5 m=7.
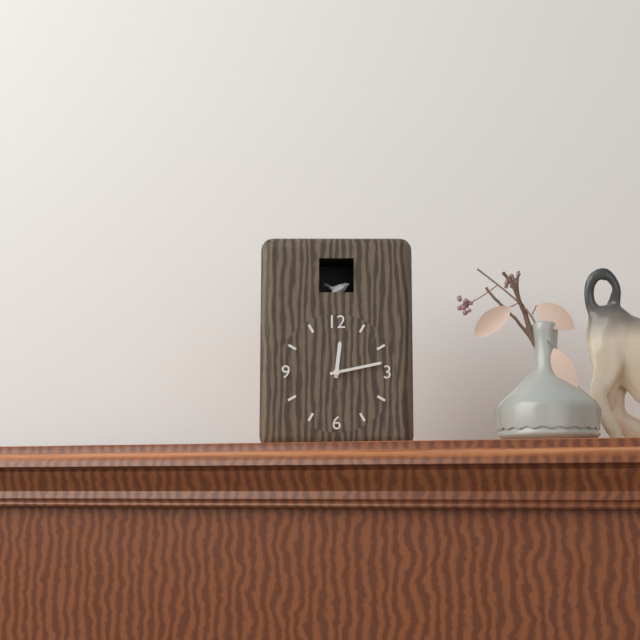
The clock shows h=12 m=13
